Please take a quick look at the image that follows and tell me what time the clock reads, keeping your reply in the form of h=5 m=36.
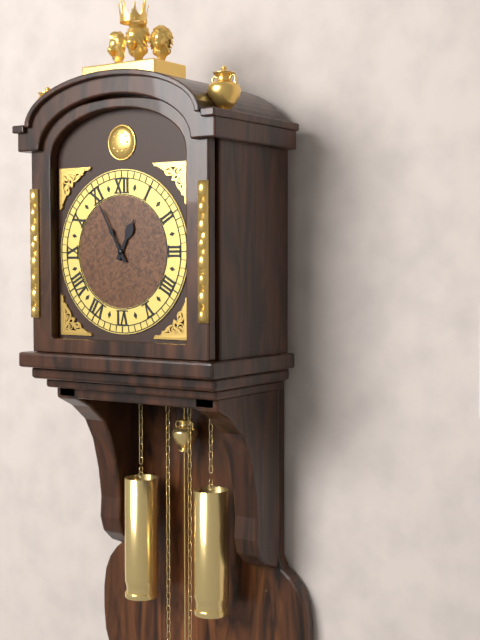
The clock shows h=12 m=55
